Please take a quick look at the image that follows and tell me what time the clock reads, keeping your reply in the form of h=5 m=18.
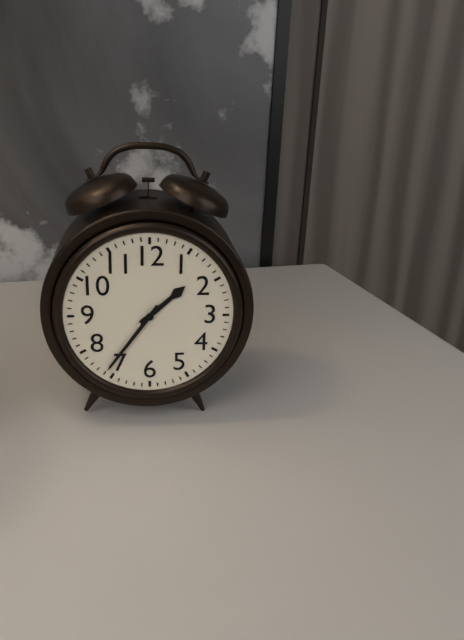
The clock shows h=1 m=36
